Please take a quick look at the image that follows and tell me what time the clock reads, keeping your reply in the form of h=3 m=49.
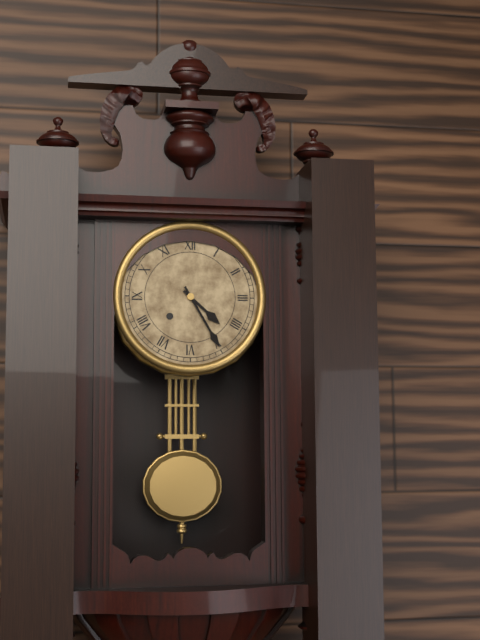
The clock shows h=4 m=25
